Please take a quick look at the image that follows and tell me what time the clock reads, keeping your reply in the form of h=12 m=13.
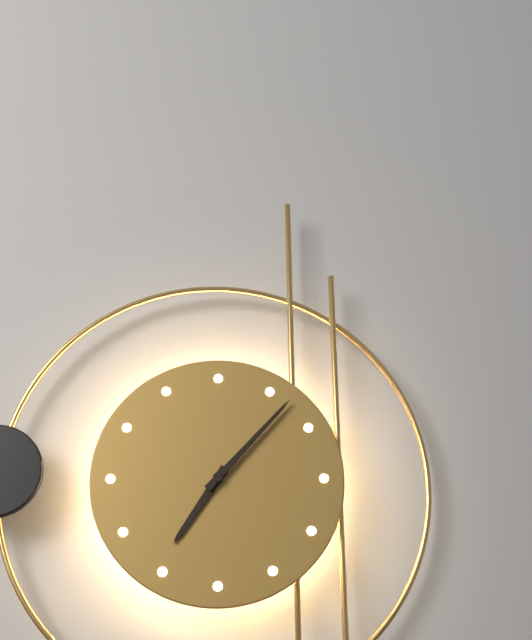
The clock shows h=7 m=7
